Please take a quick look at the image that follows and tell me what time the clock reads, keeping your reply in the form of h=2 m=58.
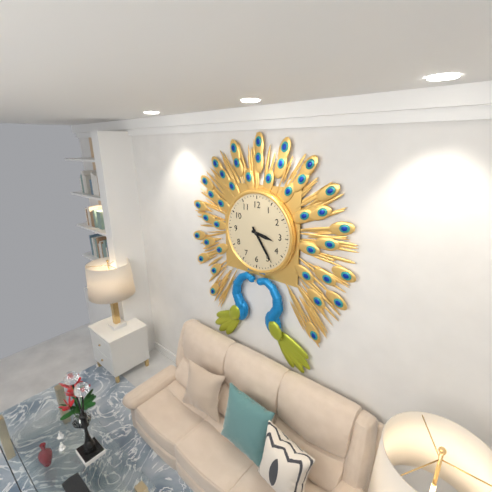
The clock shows h=3 m=24
